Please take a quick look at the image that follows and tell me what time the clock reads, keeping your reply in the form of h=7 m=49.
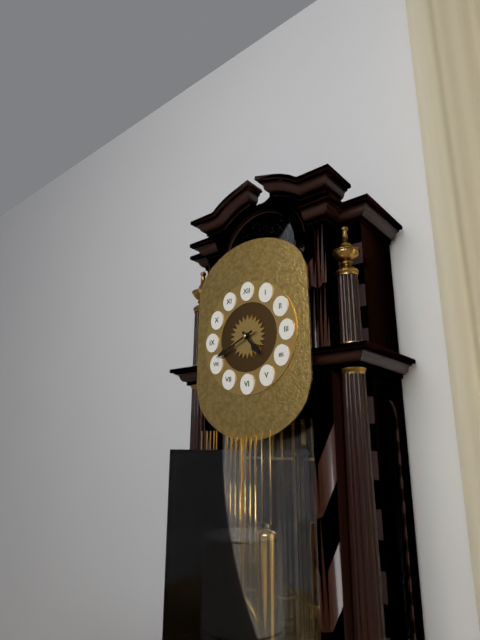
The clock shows h=4 m=41
